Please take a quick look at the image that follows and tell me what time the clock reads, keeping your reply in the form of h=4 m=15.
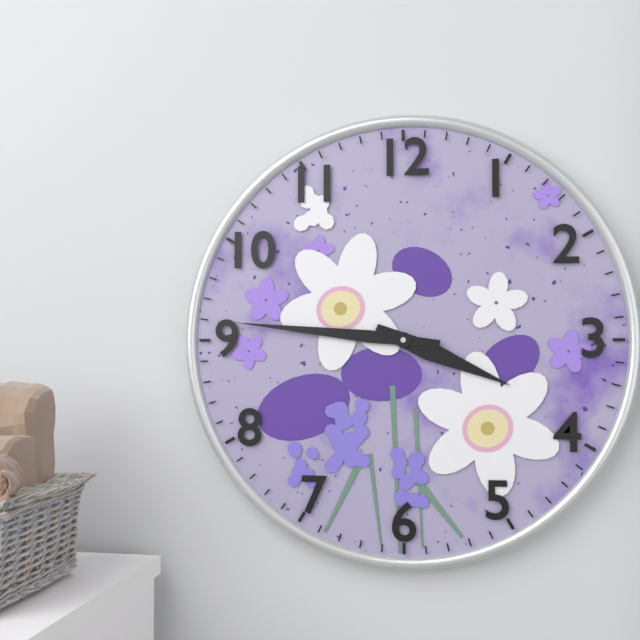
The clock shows h=3 m=46
